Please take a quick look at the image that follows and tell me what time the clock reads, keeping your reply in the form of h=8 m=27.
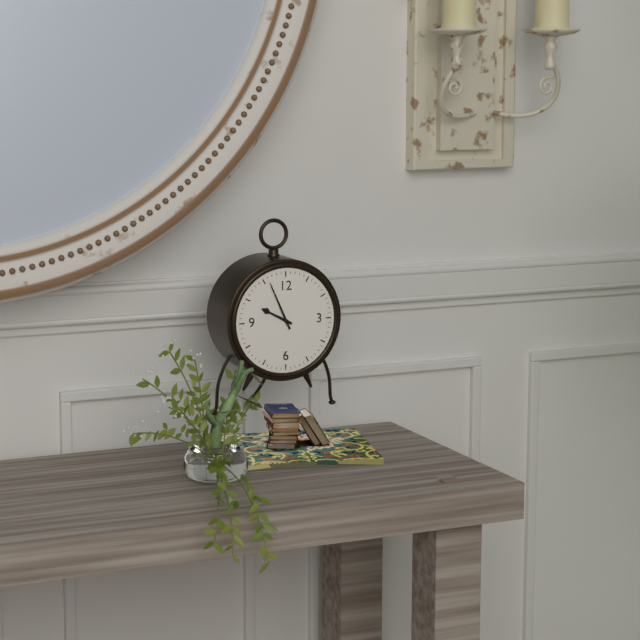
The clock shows h=9 m=56
